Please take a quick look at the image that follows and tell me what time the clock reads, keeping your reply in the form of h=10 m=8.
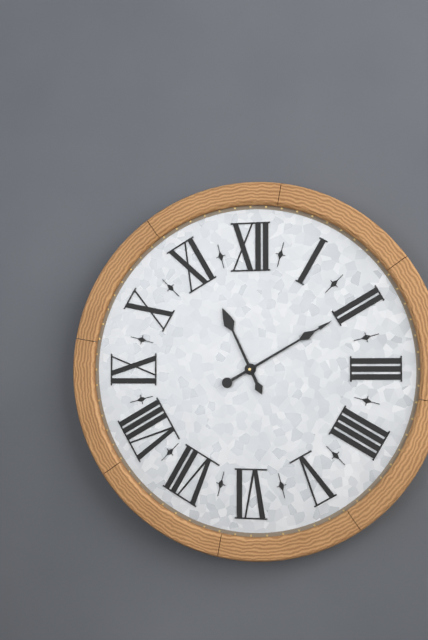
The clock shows h=11 m=10
